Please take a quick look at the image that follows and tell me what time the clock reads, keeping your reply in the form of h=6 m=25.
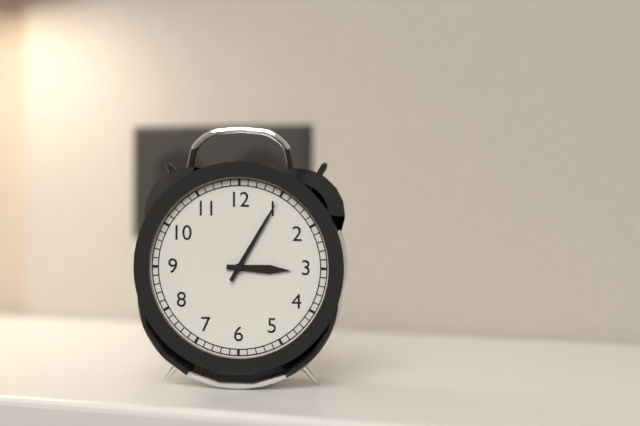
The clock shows h=3 m=5
